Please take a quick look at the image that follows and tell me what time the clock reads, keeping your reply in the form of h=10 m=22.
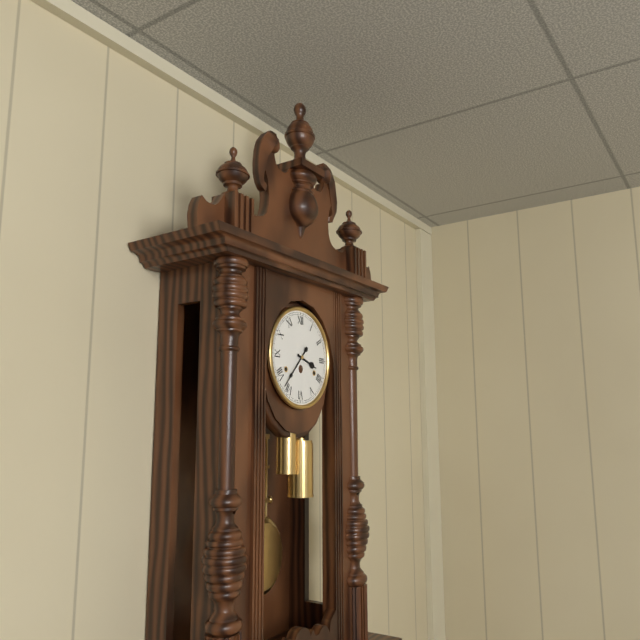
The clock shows h=3 m=37
